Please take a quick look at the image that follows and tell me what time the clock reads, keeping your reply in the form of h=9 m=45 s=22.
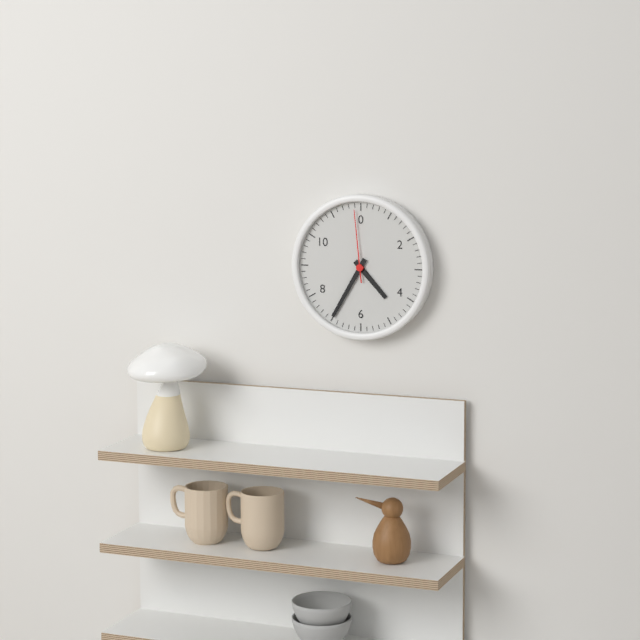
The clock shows h=4 m=35 s=59
